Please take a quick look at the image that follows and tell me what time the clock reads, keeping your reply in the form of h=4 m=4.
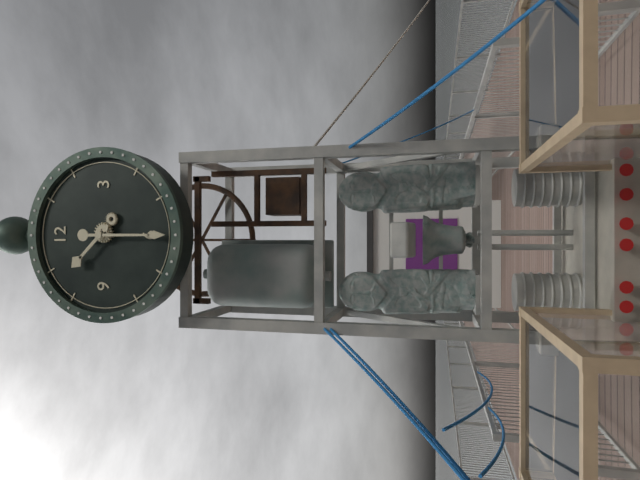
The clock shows h=10 m=30
